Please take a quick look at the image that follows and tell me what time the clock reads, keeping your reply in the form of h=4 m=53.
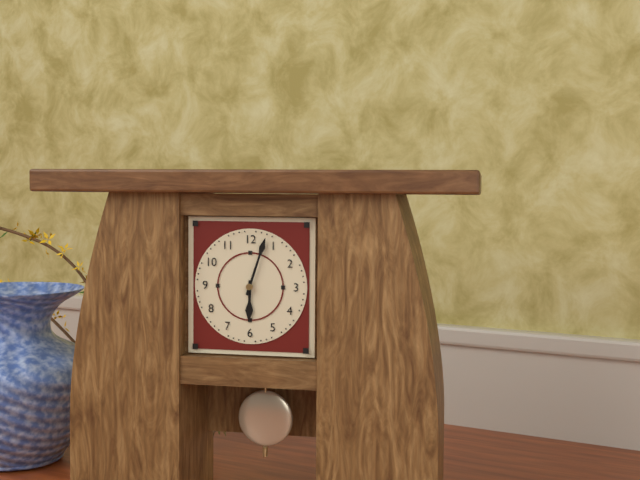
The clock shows h=6 m=3
